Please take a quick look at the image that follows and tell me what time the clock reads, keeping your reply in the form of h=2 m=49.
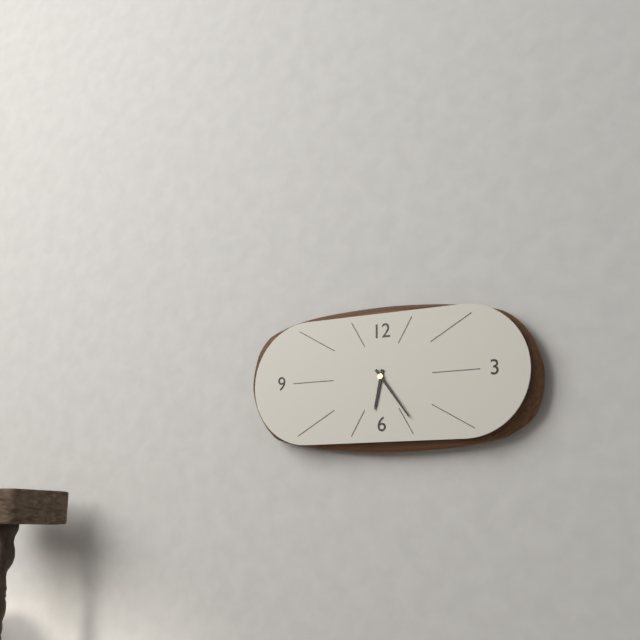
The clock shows h=6 m=24
